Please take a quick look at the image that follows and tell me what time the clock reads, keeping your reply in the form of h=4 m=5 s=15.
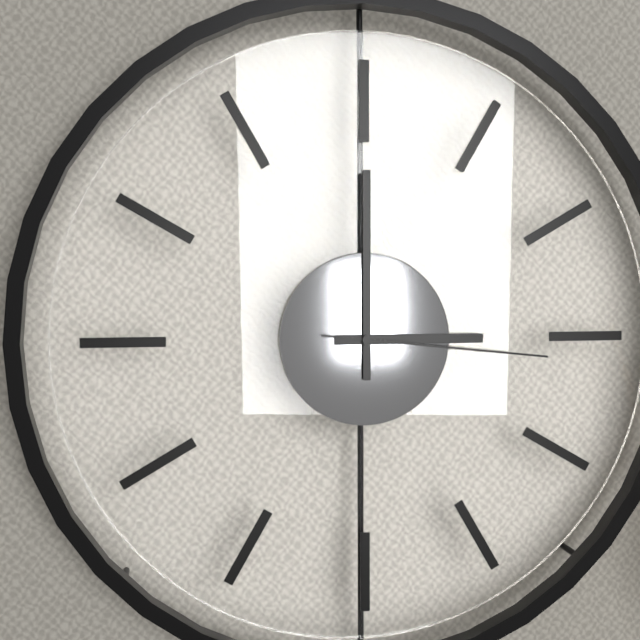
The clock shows h=3 m=0 s=16
